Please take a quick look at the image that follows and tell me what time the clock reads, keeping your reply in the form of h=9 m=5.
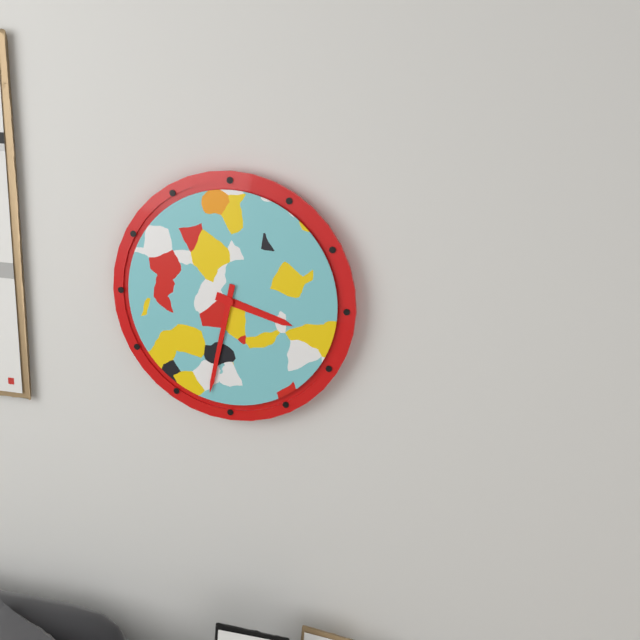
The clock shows h=3 m=32
